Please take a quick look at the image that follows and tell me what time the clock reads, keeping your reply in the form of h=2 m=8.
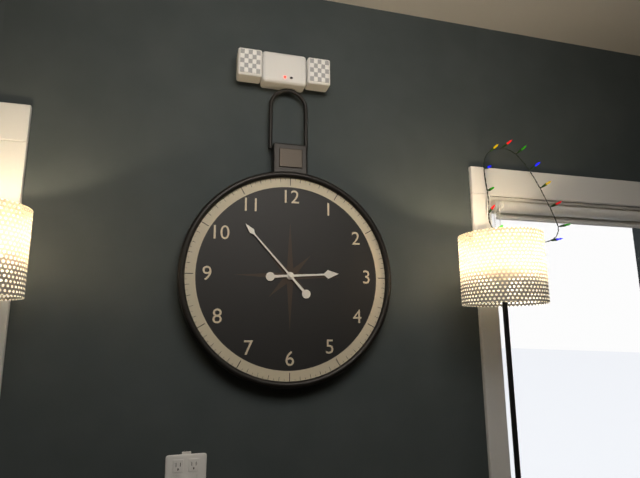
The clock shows h=2 m=53
